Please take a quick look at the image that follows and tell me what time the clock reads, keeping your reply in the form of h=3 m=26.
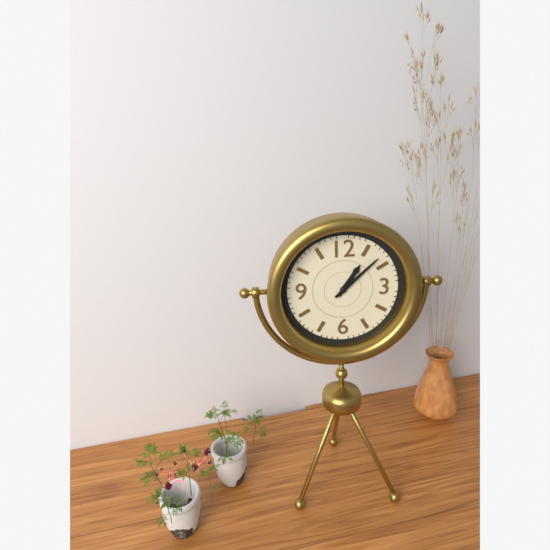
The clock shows h=1 m=8
